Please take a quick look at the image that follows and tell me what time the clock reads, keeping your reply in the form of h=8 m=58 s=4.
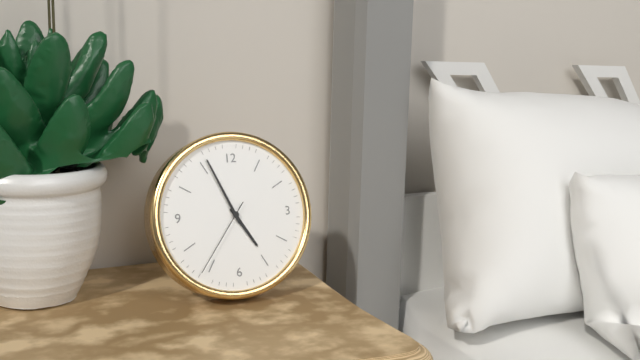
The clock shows h=4 m=56 s=36
